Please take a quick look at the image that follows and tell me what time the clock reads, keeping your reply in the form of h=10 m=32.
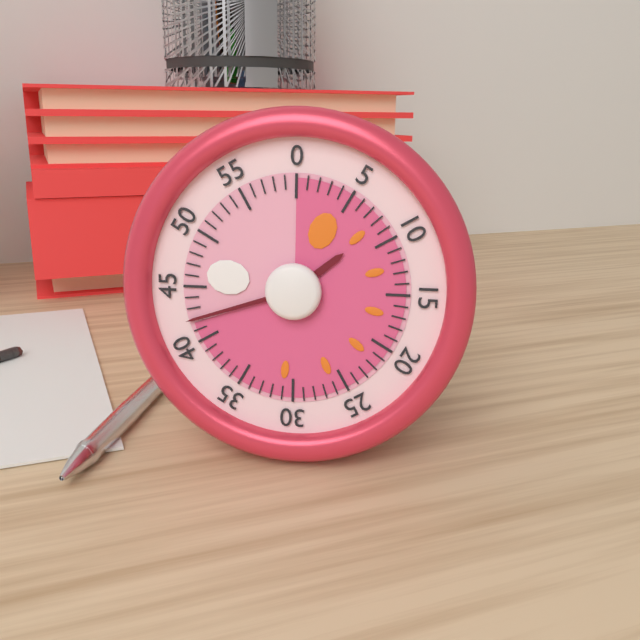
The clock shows h=1 m=42
